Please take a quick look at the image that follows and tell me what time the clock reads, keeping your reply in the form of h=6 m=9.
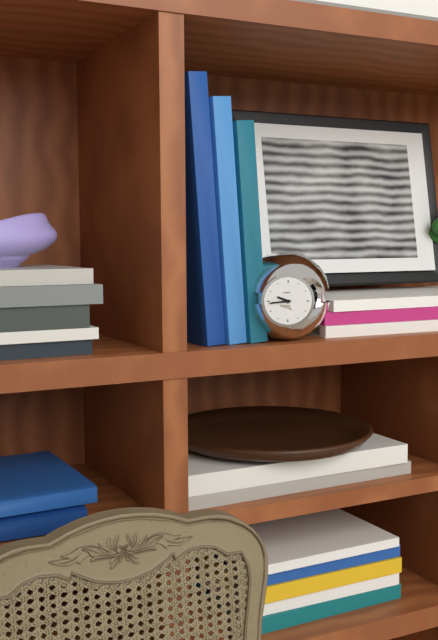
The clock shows h=9 m=44
